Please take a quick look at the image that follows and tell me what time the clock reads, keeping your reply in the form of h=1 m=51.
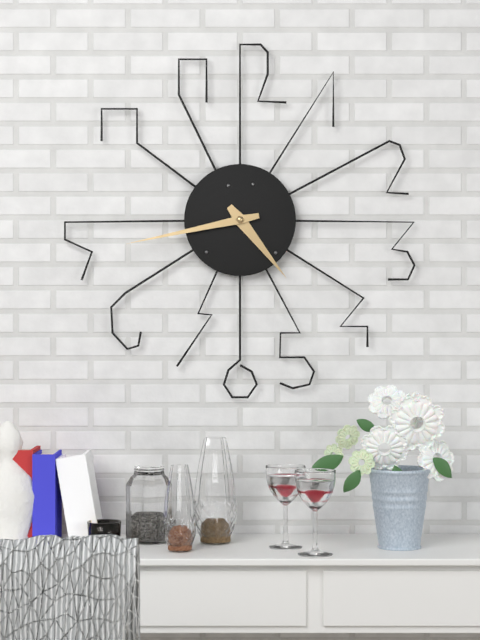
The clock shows h=4 m=43
